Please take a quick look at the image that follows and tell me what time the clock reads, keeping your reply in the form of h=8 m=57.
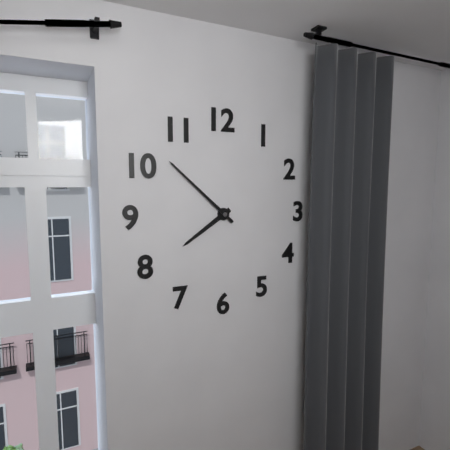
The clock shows h=7 m=52
